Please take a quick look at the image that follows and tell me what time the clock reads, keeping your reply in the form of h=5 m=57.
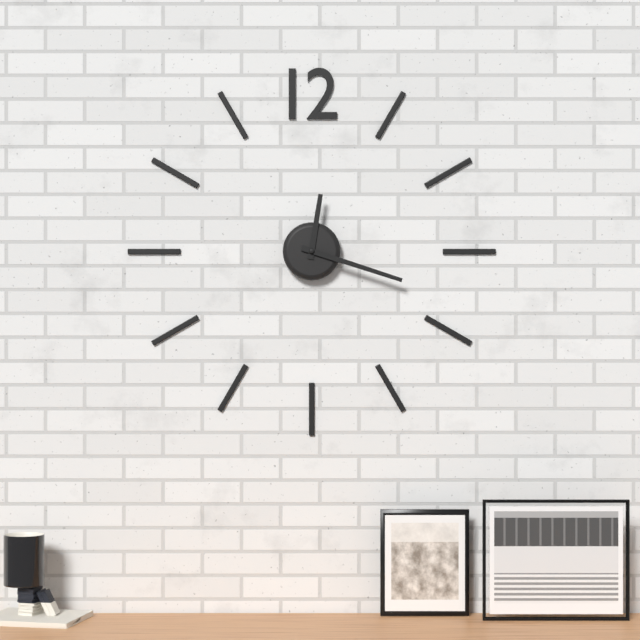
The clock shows h=12 m=18
